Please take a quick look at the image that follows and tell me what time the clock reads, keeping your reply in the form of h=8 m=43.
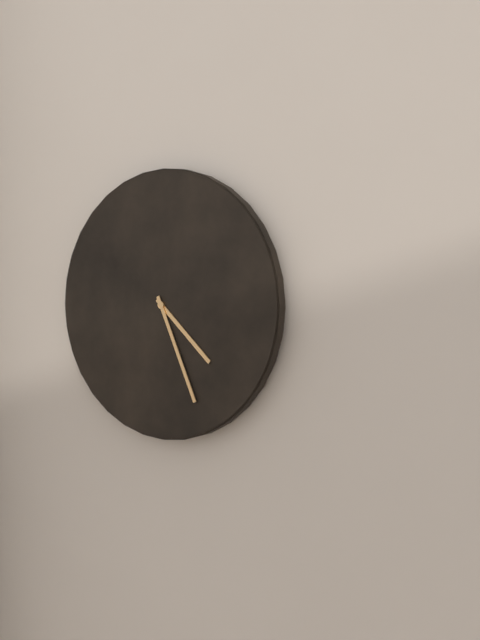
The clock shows h=4 m=26
